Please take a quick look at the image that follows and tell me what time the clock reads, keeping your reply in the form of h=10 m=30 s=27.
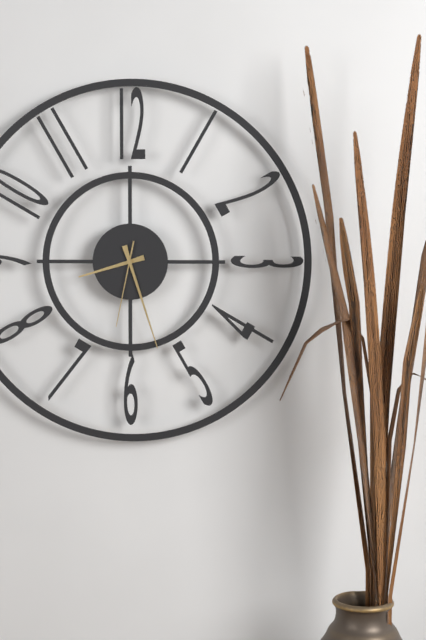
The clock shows h=8 m=27 s=32
